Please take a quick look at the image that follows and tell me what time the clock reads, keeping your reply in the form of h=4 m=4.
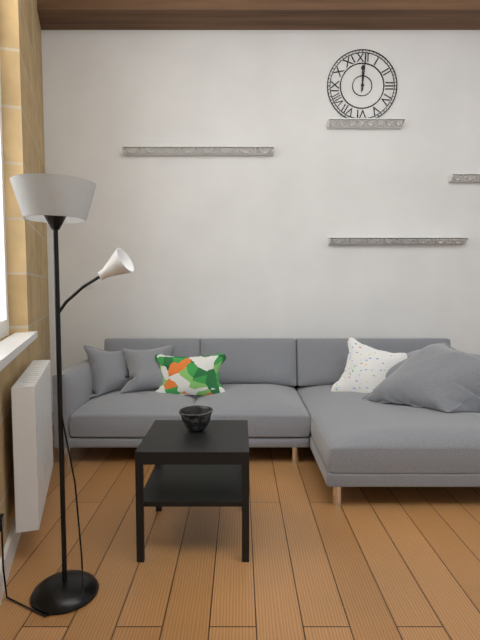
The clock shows h=12 m=1
